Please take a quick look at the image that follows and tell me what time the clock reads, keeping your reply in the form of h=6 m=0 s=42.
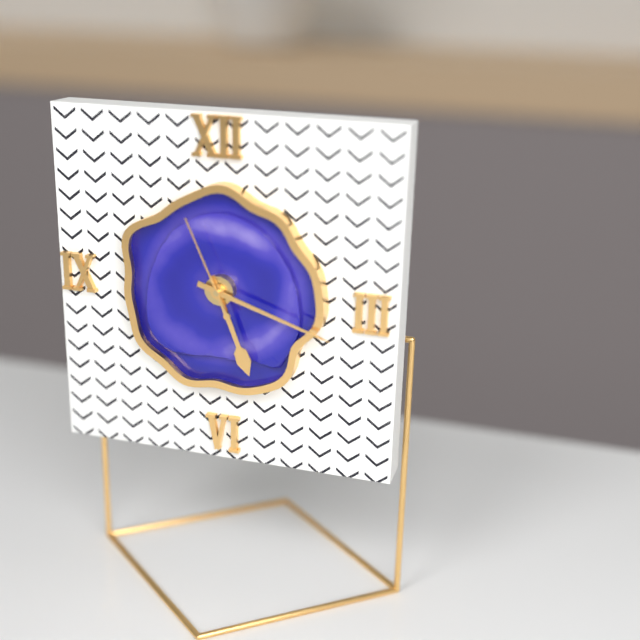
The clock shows h=5 m=18 s=56
